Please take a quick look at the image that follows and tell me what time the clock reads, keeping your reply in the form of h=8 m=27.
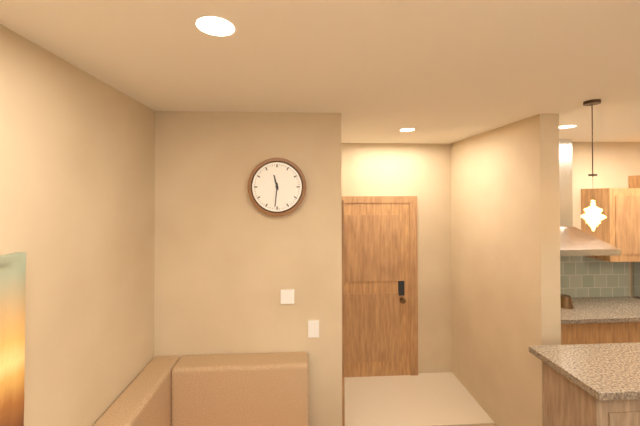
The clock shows h=11 m=31
